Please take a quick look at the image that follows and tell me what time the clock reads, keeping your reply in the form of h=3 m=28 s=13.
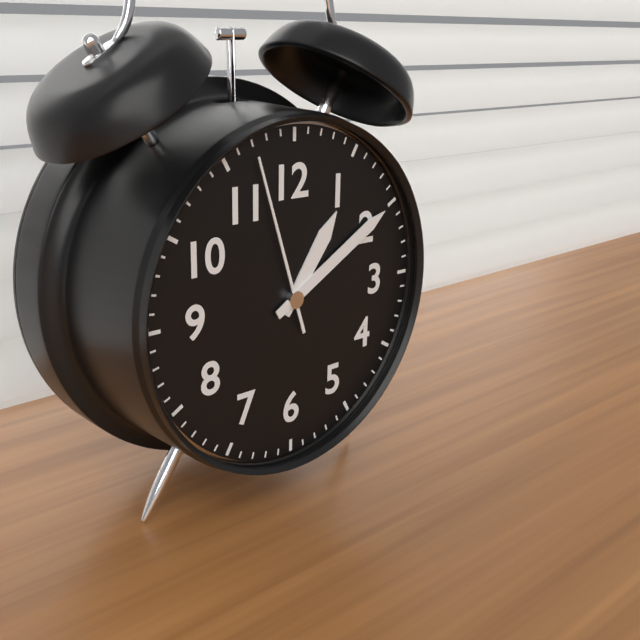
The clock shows h=1 m=10 s=57
